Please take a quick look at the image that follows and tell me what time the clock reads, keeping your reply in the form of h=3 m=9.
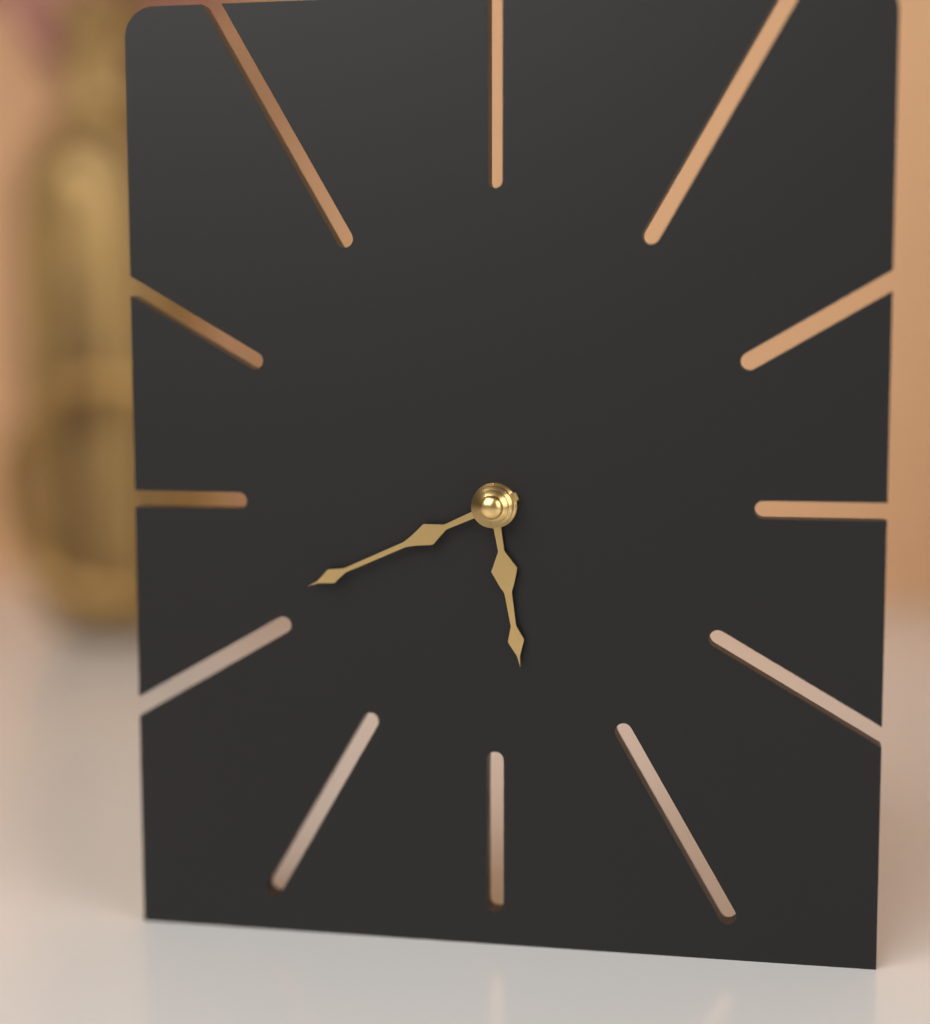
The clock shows h=5 m=41
